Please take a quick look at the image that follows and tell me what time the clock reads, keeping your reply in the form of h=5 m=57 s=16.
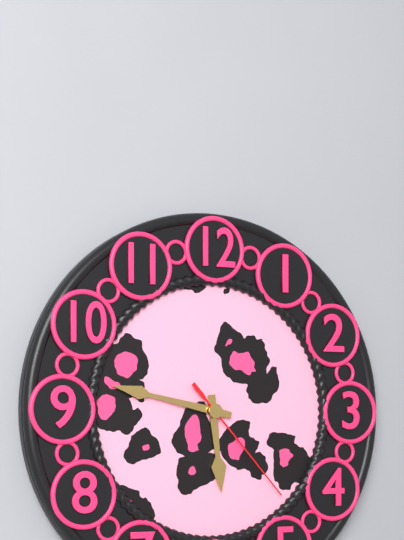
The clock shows h=5 m=47 s=23
